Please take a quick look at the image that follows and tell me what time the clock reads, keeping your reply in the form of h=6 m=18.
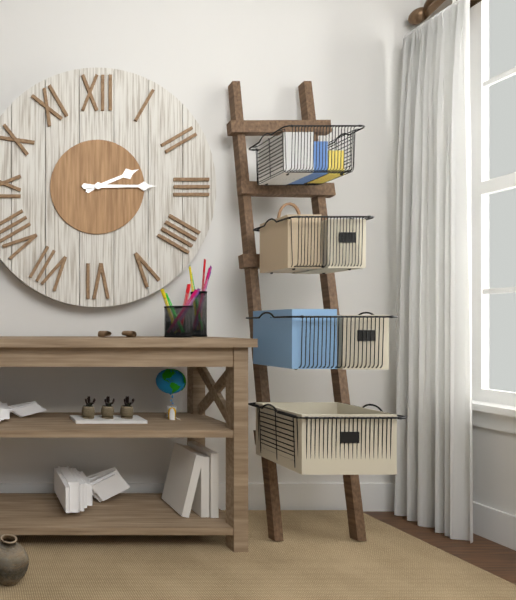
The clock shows h=2 m=15
